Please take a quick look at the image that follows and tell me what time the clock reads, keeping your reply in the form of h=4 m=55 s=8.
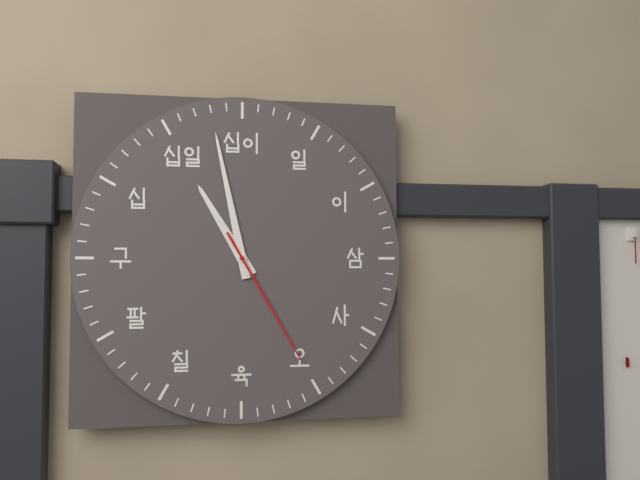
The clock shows h=10 m=58 s=25
